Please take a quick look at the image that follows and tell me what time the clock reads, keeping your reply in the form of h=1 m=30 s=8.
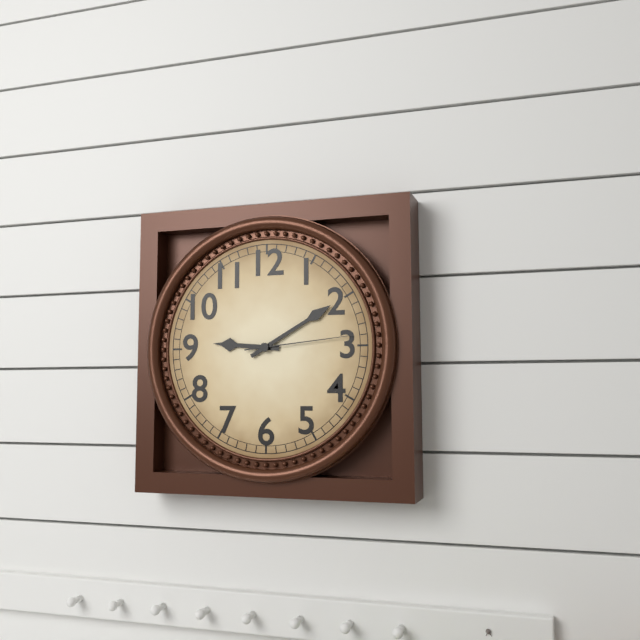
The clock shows h=9 m=10 s=14
